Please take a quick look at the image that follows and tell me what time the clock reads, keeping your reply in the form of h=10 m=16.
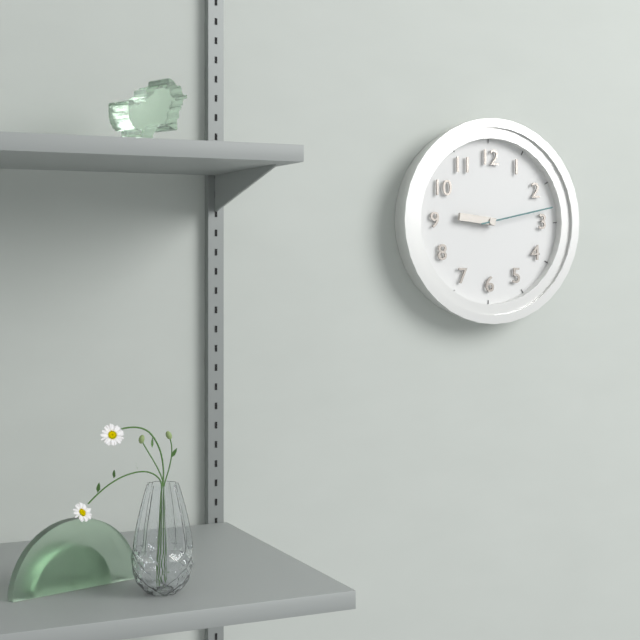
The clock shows h=9 m=13
